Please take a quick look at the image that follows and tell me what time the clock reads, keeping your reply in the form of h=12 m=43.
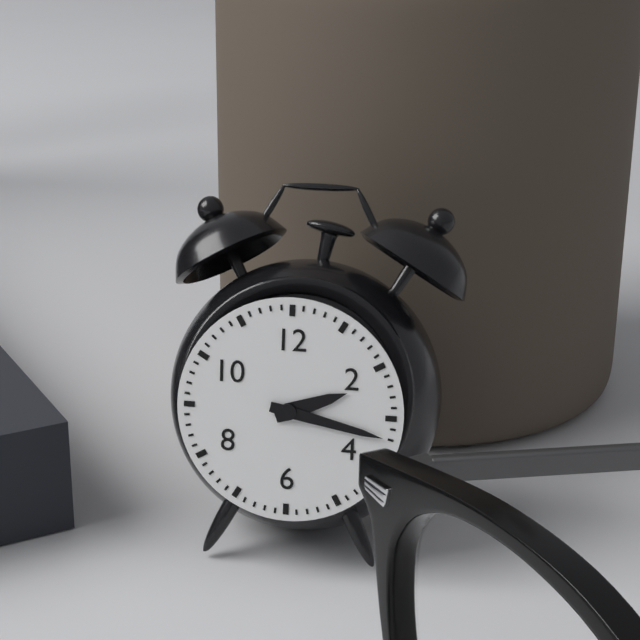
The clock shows h=2 m=17
